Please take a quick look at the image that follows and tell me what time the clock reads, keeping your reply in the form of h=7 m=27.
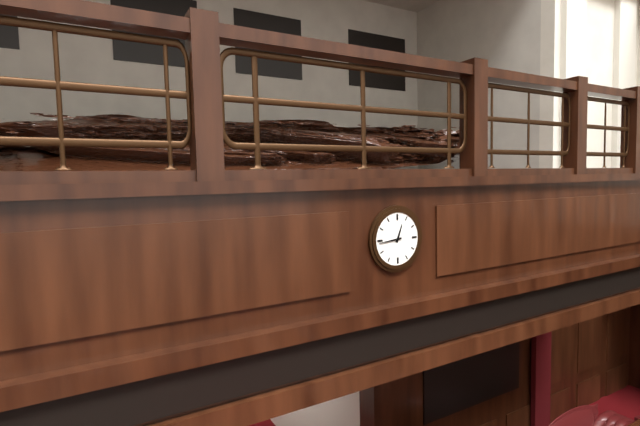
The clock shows h=12 m=44
